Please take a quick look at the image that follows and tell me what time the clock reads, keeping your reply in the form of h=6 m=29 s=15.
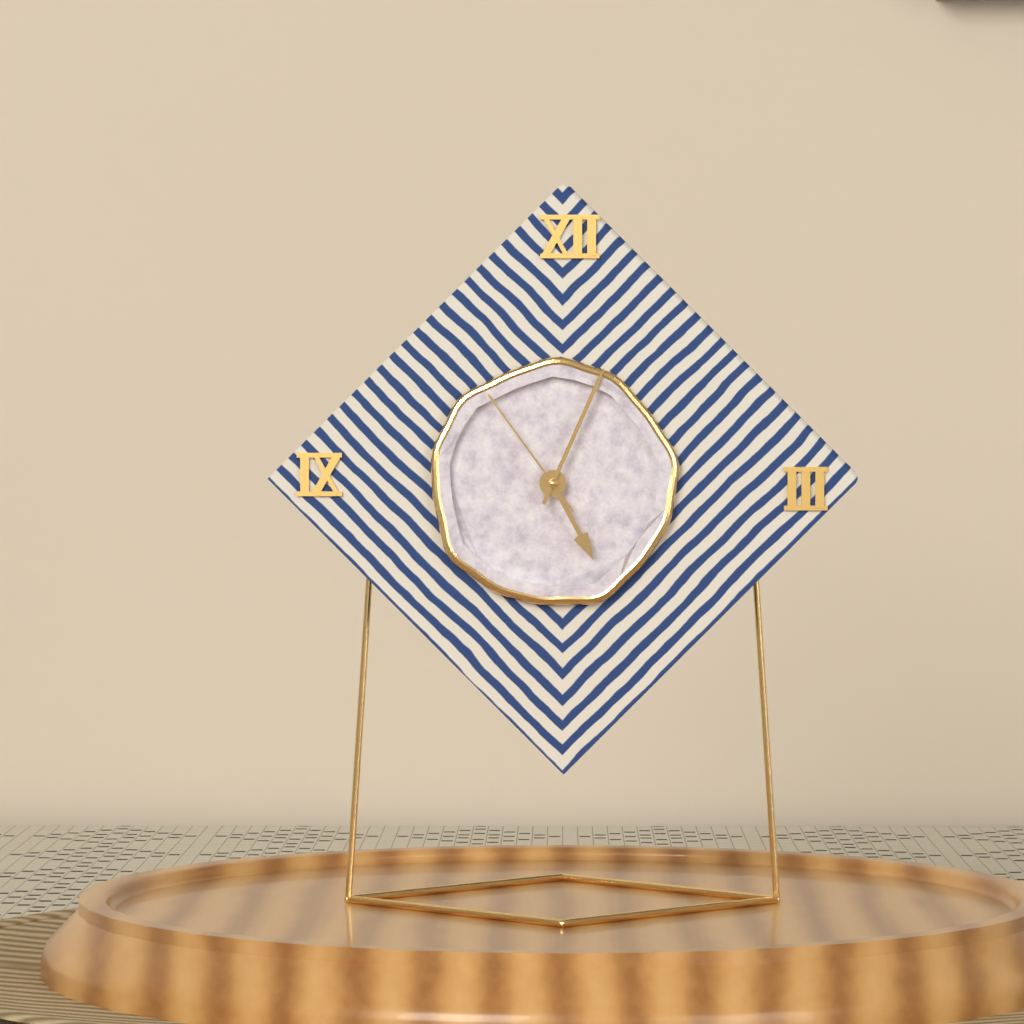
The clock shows h=5 m=4 s=54
